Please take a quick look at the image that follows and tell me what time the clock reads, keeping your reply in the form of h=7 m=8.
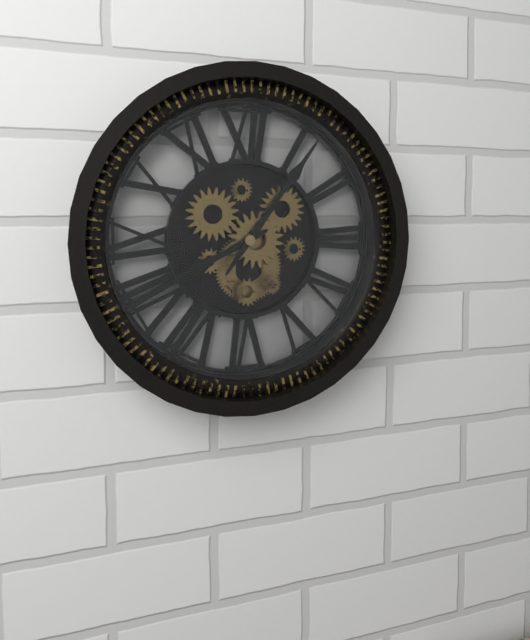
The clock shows h=8 m=6
